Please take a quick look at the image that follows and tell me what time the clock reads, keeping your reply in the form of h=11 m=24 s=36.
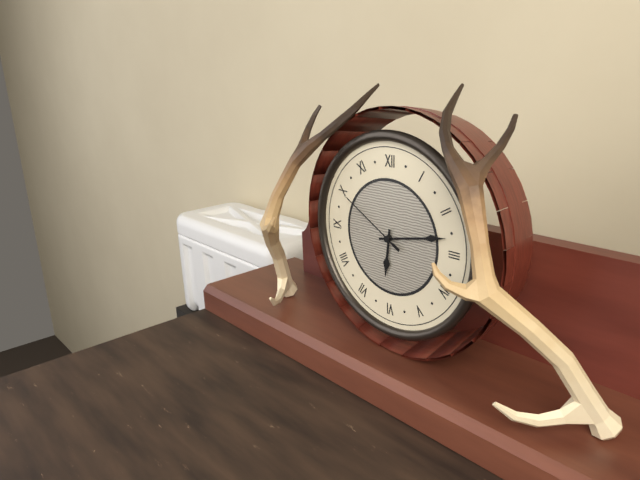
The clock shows h=6 m=13 s=50
